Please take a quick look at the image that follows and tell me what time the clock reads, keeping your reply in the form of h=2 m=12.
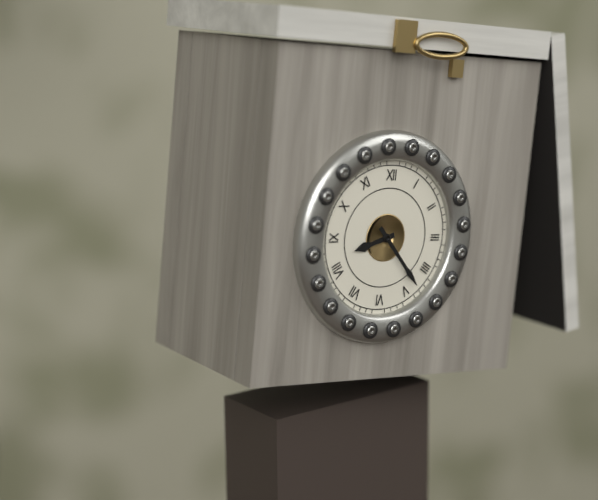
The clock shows h=8 m=23
